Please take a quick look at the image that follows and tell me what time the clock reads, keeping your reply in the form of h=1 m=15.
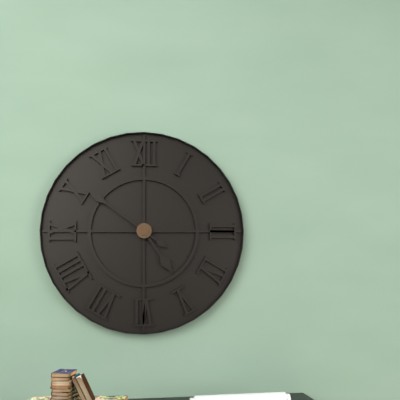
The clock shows h=4 m=51
